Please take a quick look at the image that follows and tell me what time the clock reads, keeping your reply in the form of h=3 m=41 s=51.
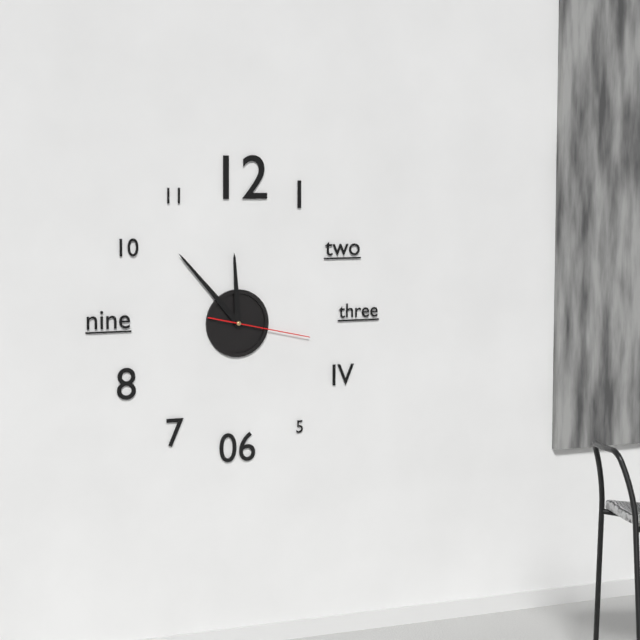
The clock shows h=11 m=53 s=17
